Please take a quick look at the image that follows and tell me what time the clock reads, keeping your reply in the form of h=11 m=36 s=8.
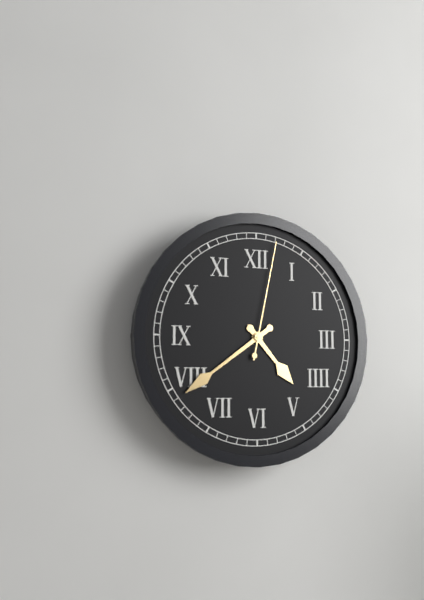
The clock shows h=4 m=39 s=2
